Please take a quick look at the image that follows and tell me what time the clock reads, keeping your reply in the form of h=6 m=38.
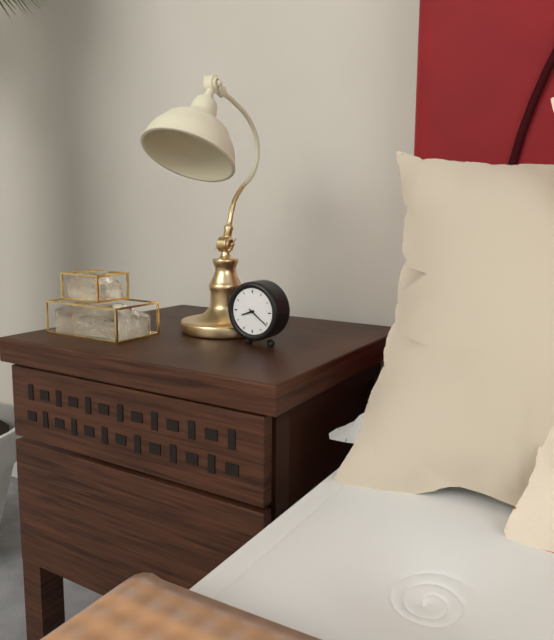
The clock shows h=8 m=21
